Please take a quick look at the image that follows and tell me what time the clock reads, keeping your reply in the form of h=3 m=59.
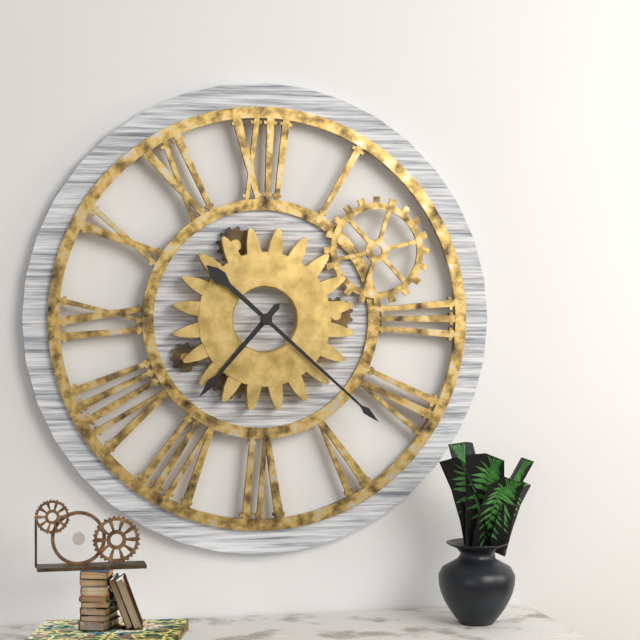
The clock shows h=7 m=22
